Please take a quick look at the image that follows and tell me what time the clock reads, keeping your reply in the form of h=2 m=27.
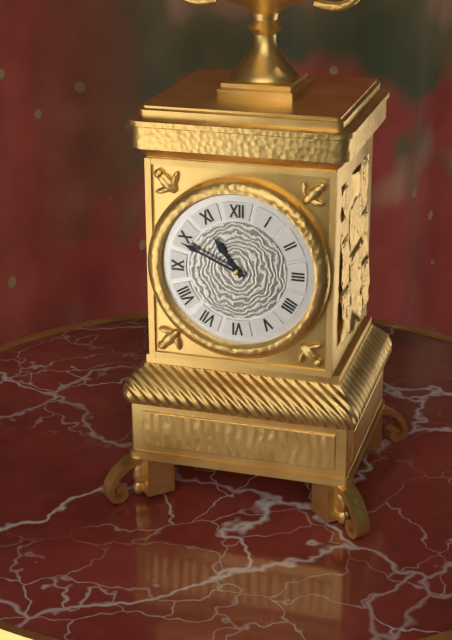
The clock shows h=10 m=49
